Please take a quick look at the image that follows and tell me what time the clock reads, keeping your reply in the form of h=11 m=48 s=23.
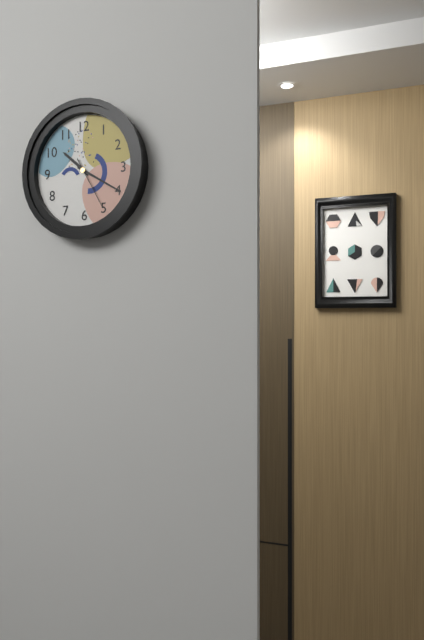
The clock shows h=10 m=20 s=25
